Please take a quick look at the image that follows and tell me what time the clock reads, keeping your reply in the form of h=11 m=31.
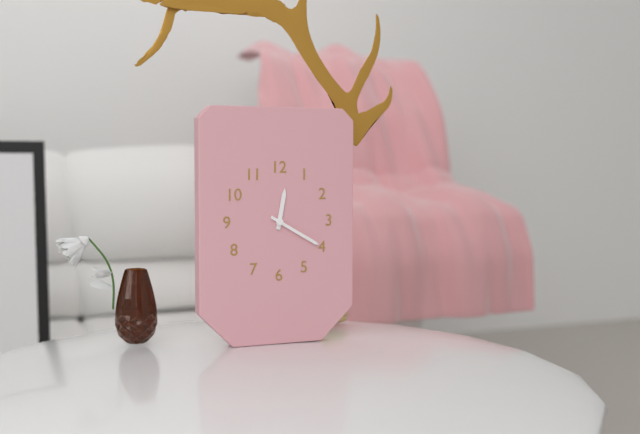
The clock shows h=12 m=20
